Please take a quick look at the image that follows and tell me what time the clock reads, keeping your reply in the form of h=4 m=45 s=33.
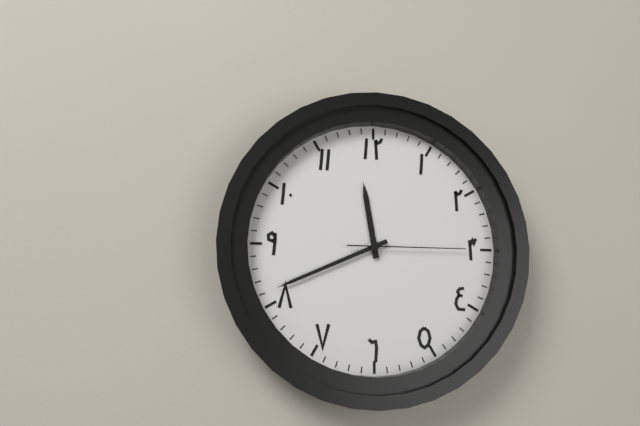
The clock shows h=11 m=41 s=15
